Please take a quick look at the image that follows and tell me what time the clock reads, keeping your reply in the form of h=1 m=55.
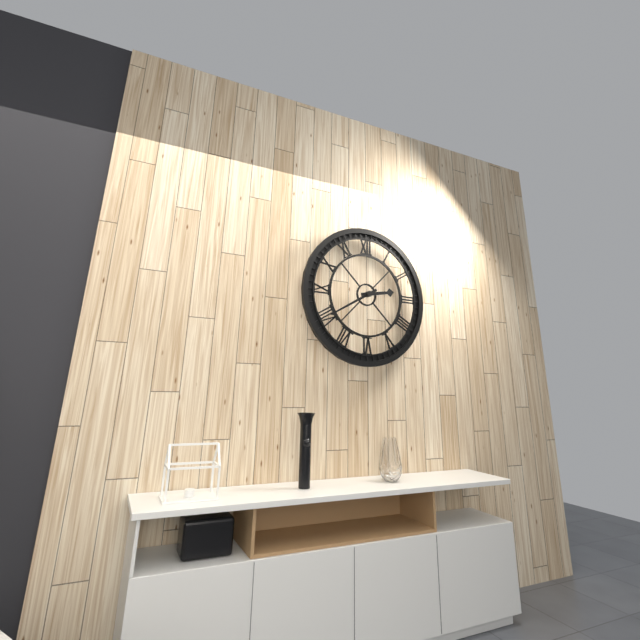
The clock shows h=2 m=40
